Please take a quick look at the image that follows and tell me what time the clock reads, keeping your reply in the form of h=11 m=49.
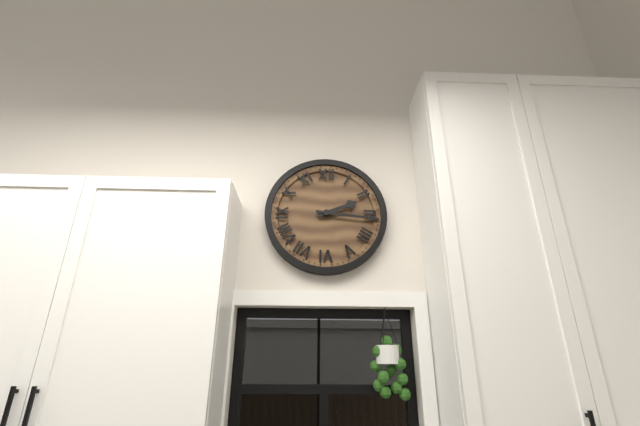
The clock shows h=2 m=16
